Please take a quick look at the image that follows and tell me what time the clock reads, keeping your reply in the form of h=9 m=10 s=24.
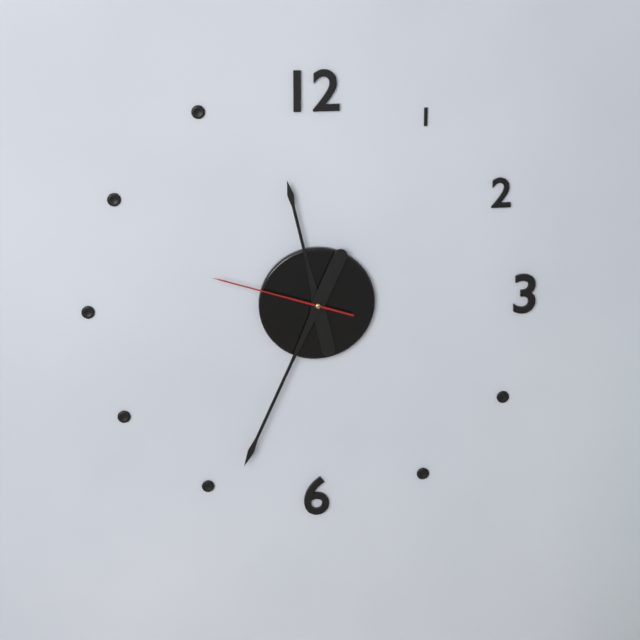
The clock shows h=11 m=34 s=48
